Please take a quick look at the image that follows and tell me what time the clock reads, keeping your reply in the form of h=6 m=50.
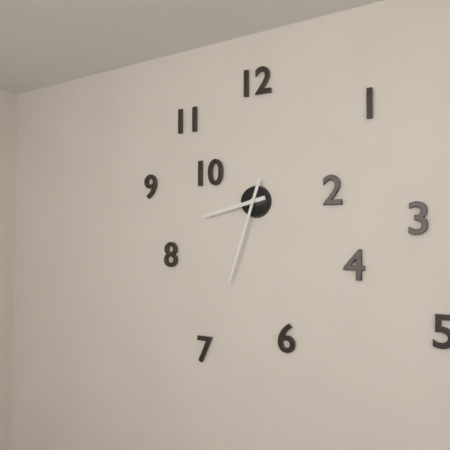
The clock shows h=8 m=33
